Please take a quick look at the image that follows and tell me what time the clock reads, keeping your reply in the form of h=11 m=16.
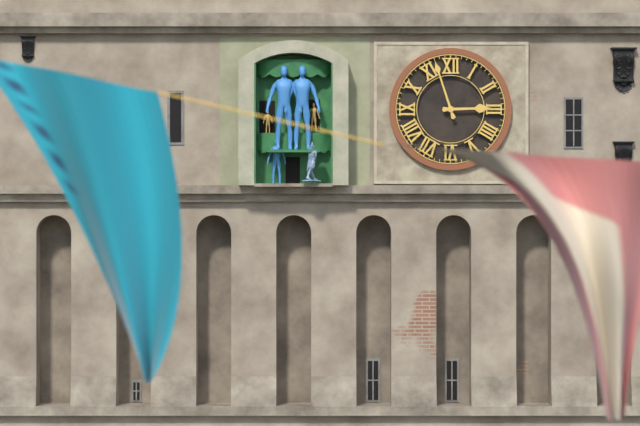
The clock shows h=2 m=57
